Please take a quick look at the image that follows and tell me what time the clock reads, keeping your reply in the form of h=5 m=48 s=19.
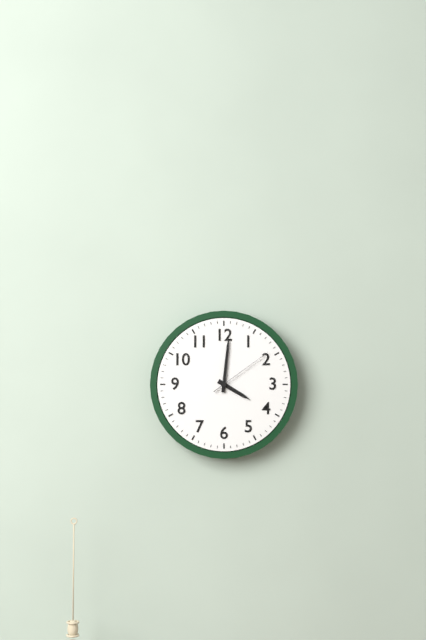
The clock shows h=4 m=1 s=9
